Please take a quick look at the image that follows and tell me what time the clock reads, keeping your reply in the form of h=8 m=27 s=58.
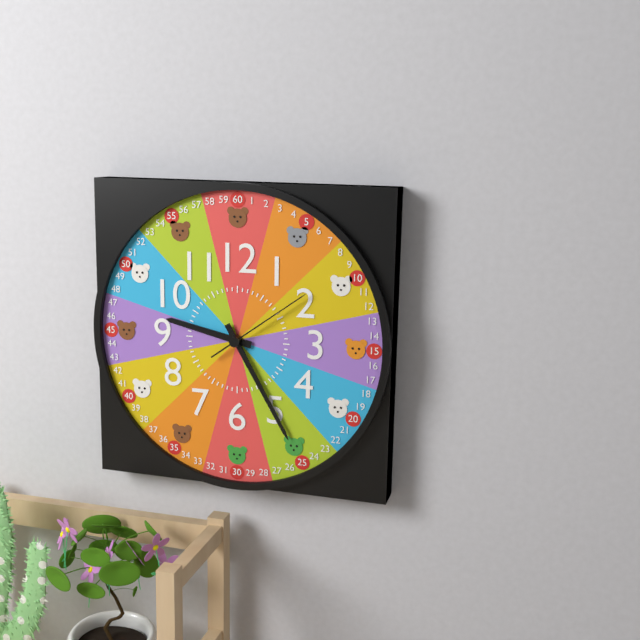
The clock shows h=9 m=25 s=9
